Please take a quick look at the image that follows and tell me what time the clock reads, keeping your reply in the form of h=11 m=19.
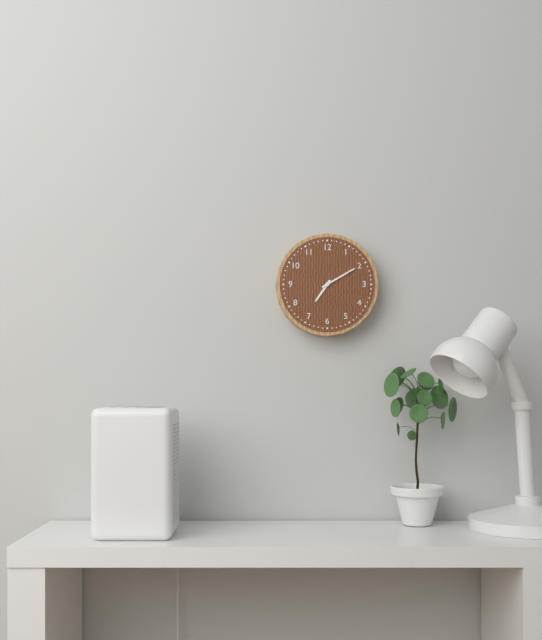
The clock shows h=7 m=10
